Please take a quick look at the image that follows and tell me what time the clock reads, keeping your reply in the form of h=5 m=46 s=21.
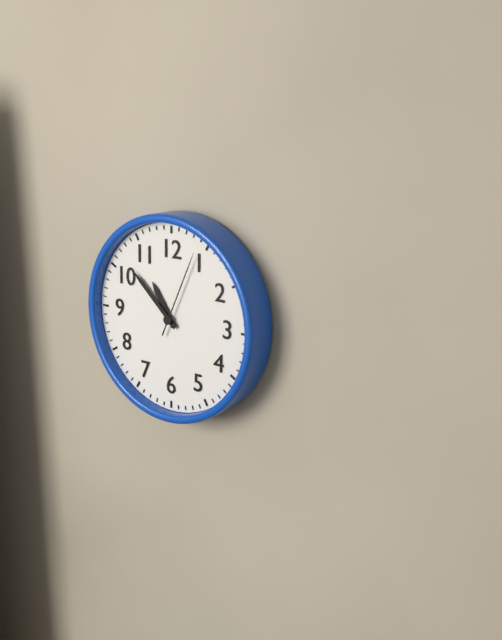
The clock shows h=10 m=52 s=4
